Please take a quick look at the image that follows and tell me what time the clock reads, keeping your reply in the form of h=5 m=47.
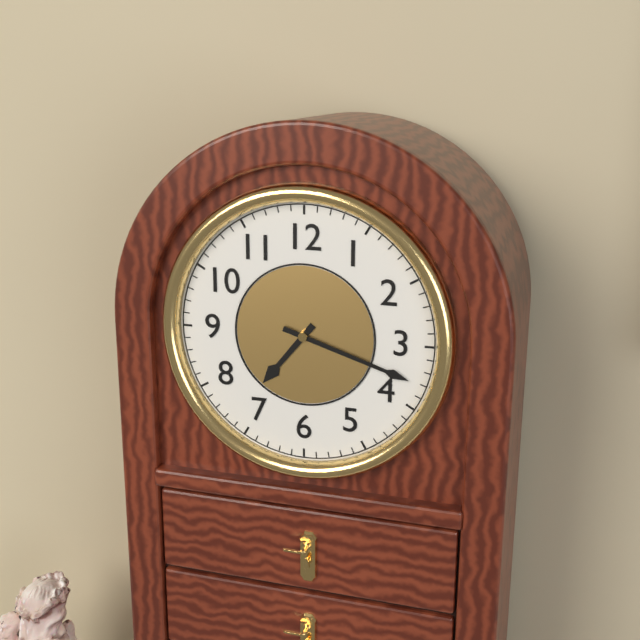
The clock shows h=7 m=18
